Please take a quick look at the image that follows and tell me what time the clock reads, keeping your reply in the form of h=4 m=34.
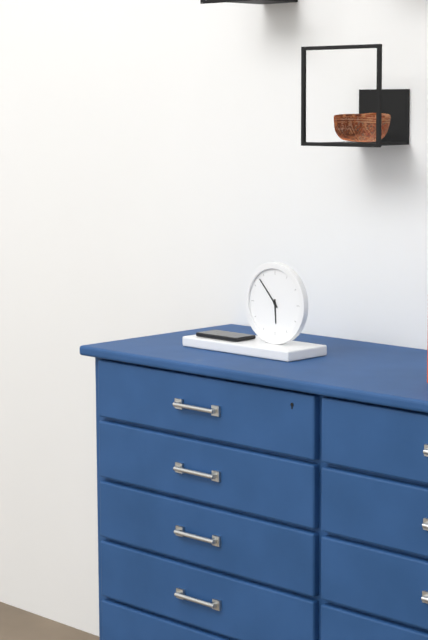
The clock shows h=5 m=53
